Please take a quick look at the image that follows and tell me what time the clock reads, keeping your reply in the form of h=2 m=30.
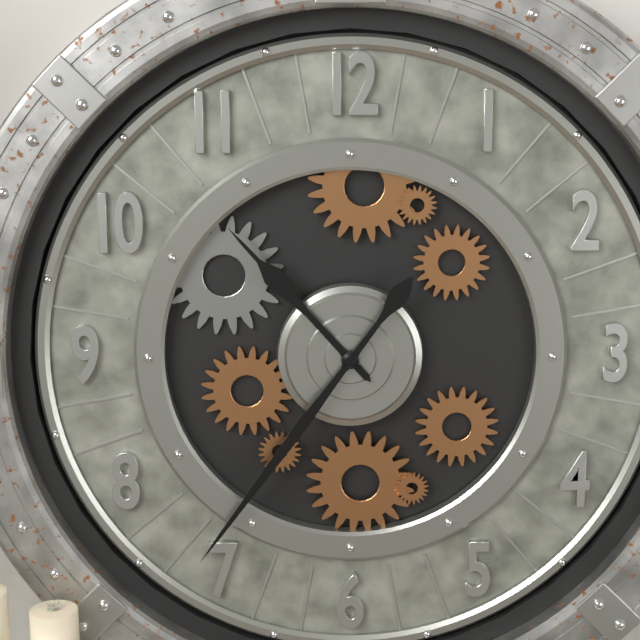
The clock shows h=10 m=36
